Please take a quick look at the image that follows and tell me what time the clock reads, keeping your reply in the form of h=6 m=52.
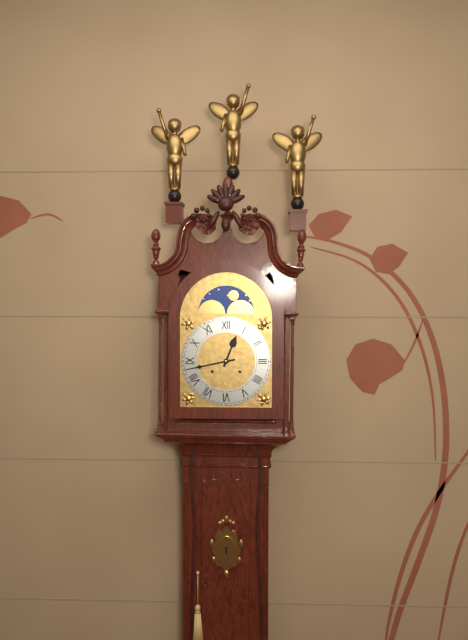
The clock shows h=12 m=43
